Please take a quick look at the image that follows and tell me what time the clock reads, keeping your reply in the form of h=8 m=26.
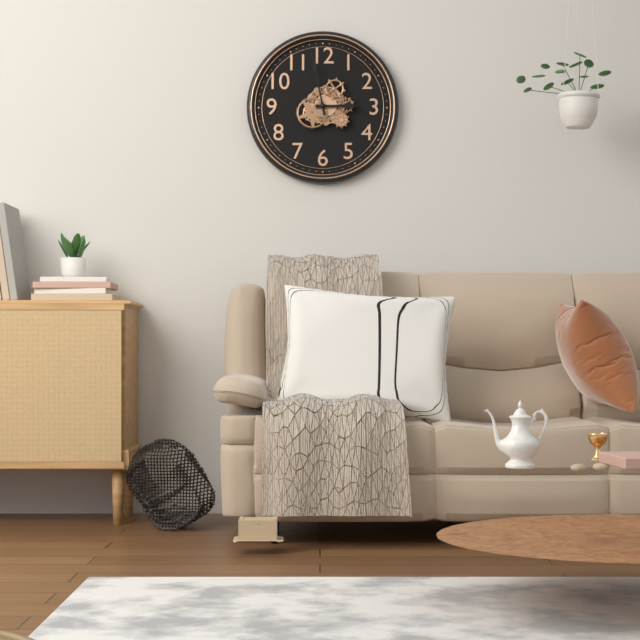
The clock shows h=2 m=58
